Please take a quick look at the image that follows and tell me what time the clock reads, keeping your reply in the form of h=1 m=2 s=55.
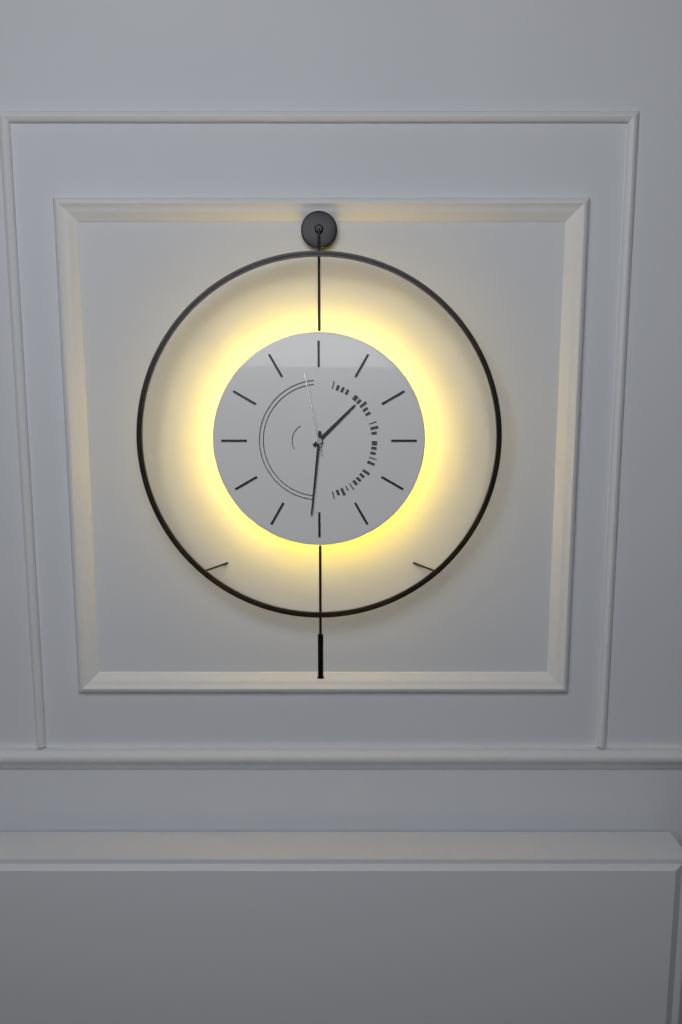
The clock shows h=1 m=31 s=58
